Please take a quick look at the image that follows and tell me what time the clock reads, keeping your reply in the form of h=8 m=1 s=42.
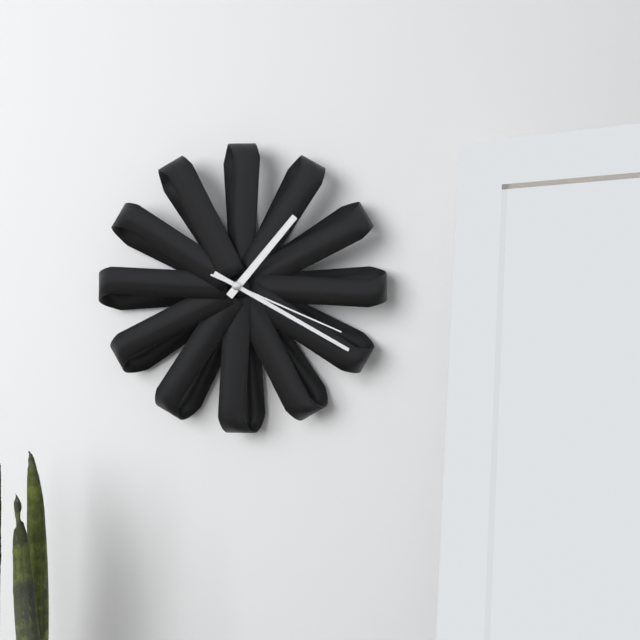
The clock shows h=1 m=20 s=19
